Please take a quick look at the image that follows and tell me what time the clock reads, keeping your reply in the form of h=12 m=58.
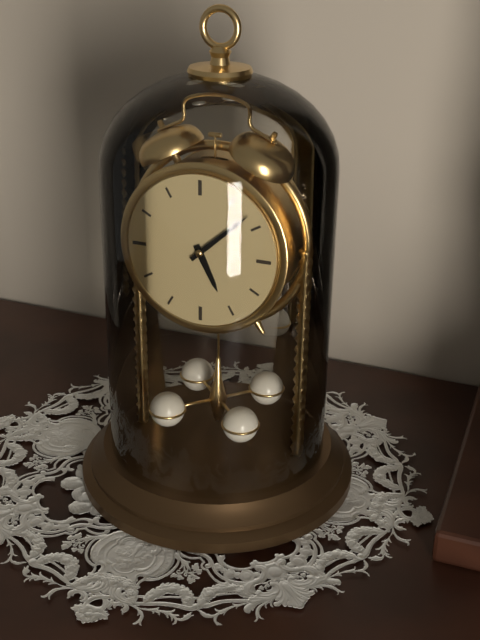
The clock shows h=5 m=8
